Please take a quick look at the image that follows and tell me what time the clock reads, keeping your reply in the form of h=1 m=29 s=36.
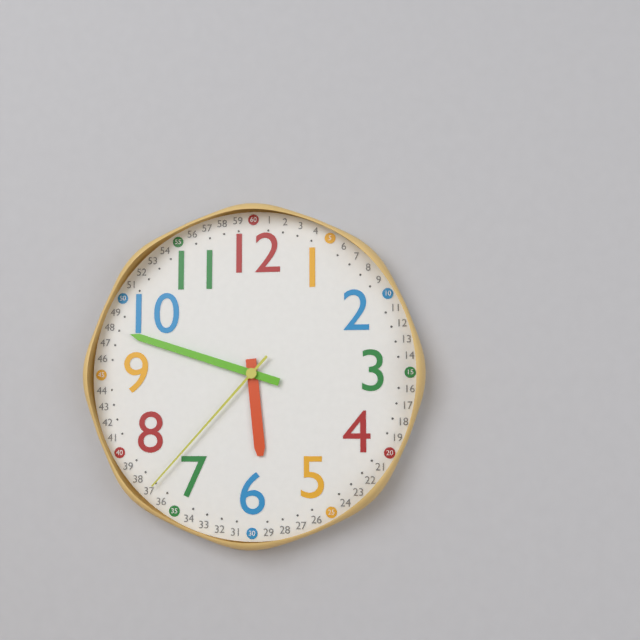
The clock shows h=5 m=48 s=37
